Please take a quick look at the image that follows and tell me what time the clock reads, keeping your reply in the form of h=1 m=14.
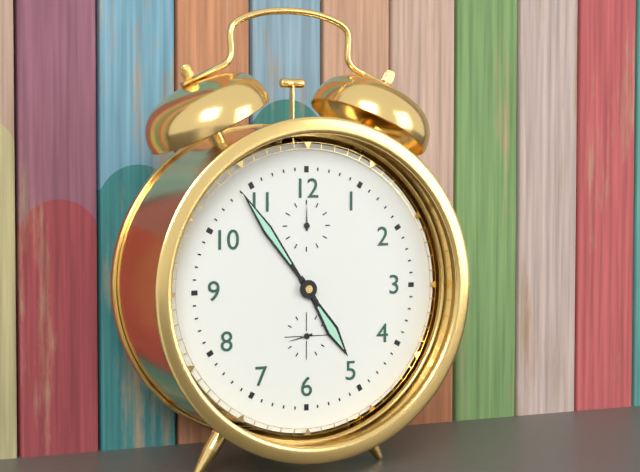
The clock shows h=4 m=54
